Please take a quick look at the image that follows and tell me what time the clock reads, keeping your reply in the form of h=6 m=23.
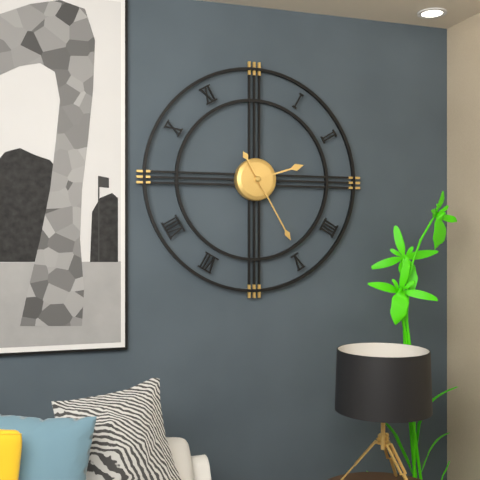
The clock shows h=2 m=25
